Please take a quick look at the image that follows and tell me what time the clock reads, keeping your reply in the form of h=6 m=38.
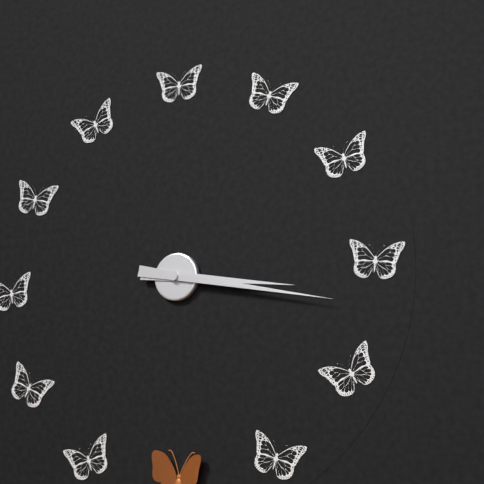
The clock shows h=3 m=17
